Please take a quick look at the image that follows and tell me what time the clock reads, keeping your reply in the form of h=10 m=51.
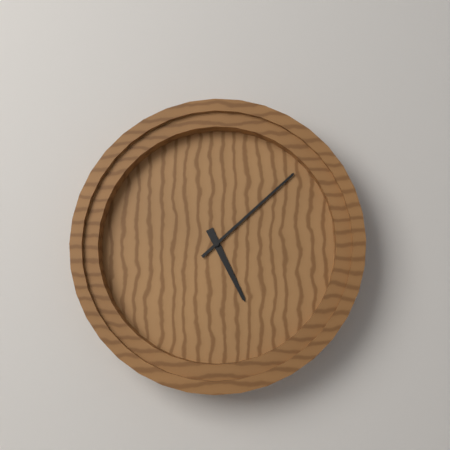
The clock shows h=5 m=8
